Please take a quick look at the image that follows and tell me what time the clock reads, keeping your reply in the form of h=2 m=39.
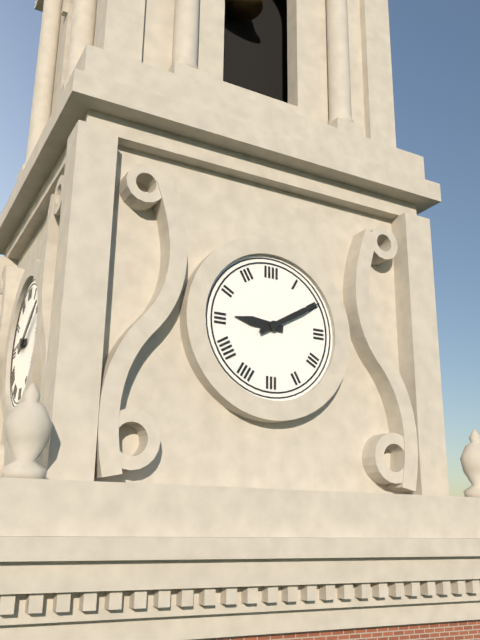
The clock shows h=9 m=10
